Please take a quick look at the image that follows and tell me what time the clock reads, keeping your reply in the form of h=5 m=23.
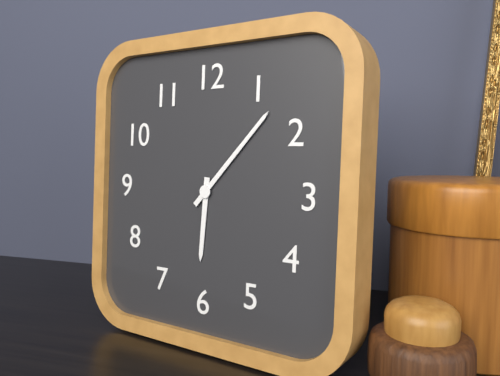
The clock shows h=6 m=7
